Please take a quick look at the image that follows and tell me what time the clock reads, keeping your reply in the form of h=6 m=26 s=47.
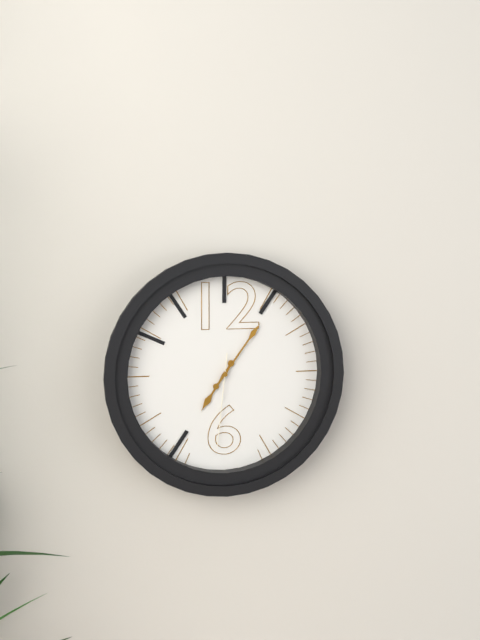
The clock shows h=7 m=6 s=31
